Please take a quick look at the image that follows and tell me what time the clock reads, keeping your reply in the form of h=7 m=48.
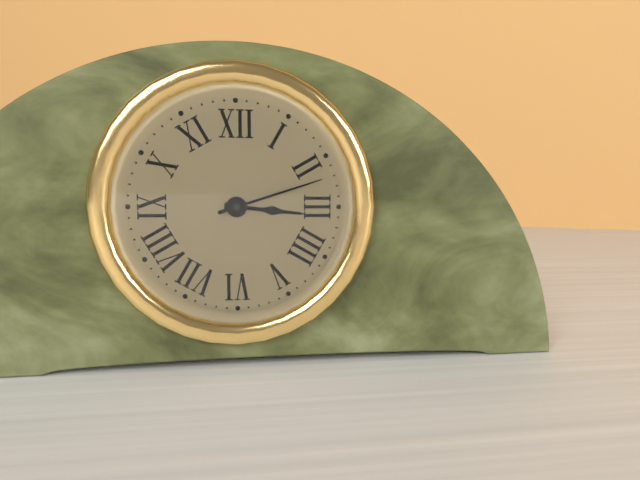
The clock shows h=3 m=12
